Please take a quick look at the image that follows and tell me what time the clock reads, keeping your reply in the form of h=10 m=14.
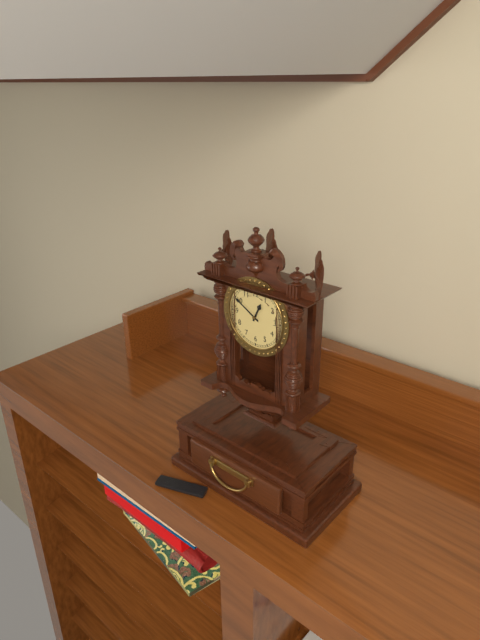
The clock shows h=12 m=50
